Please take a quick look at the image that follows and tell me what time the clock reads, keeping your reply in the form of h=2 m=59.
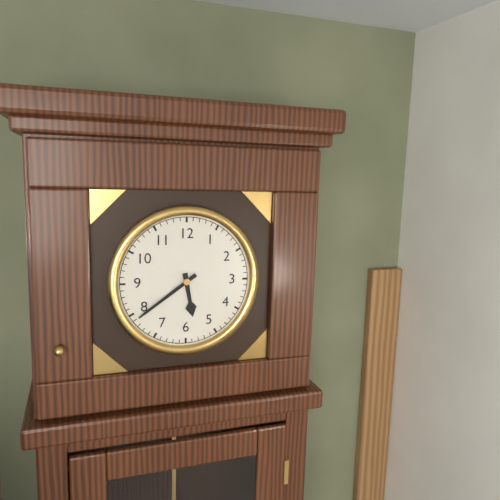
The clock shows h=5 m=39
